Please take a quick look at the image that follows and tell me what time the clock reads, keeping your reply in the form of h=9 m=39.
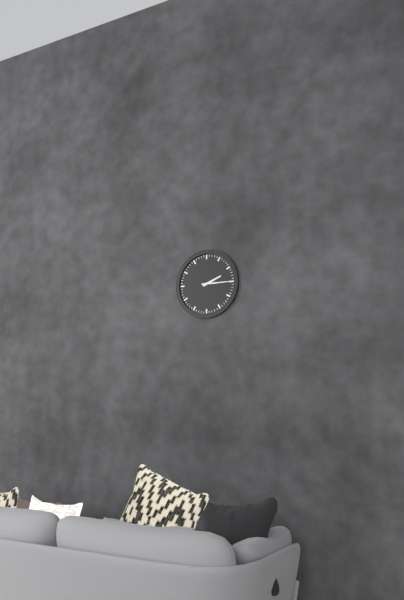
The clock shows h=2 m=15
